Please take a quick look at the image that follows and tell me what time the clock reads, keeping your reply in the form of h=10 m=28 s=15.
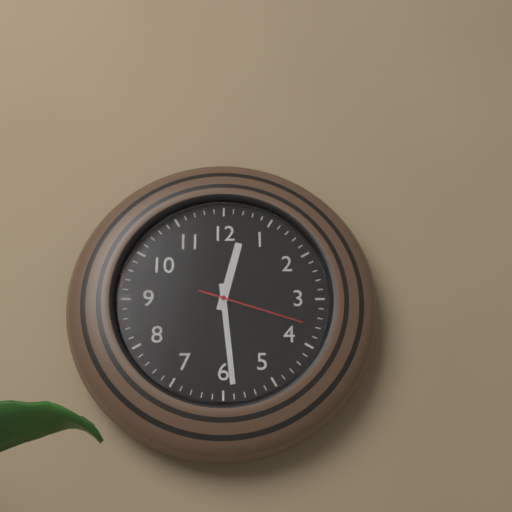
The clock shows h=12 m=29 s=18
